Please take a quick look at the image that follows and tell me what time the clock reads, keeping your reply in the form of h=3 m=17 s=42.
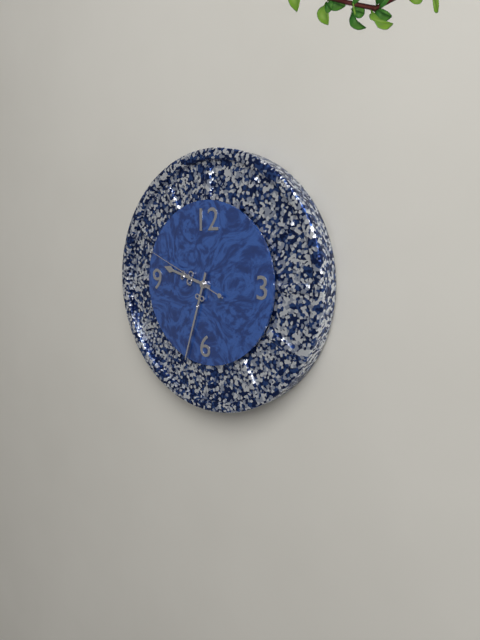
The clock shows h=9 m=33 s=49
